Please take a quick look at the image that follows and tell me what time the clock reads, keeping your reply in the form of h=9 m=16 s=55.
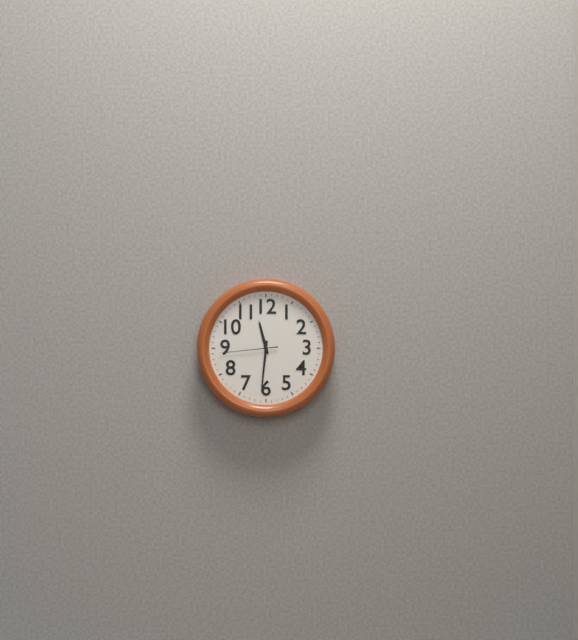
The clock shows h=11 m=31 s=44
